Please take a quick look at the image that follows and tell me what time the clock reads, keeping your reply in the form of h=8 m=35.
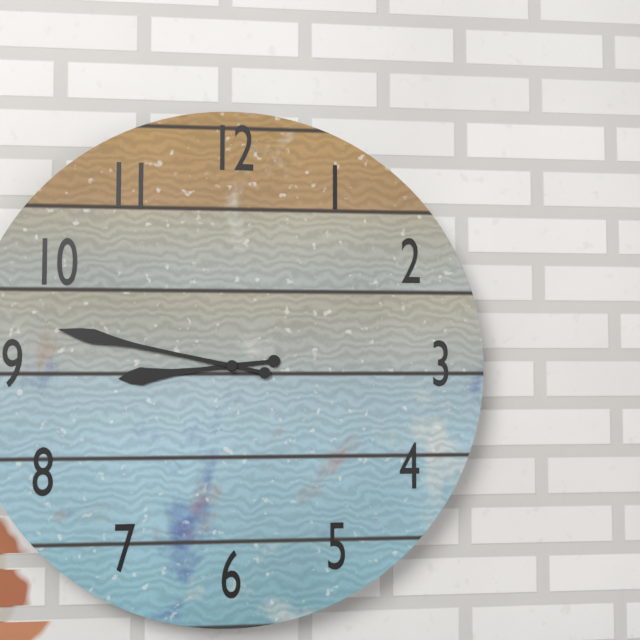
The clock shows h=8 m=47
